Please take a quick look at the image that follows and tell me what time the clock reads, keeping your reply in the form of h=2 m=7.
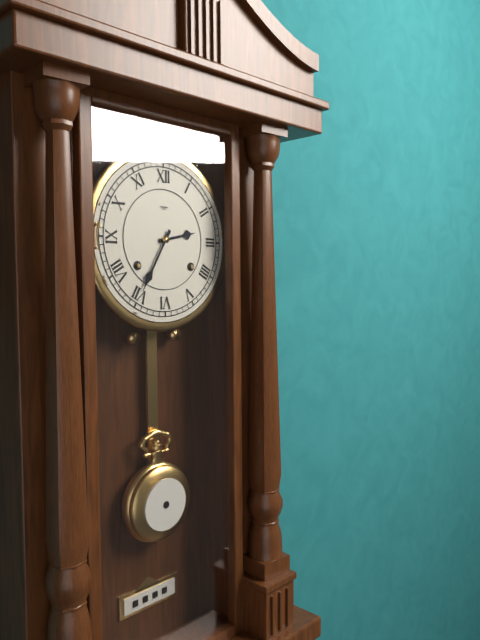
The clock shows h=2 m=35
